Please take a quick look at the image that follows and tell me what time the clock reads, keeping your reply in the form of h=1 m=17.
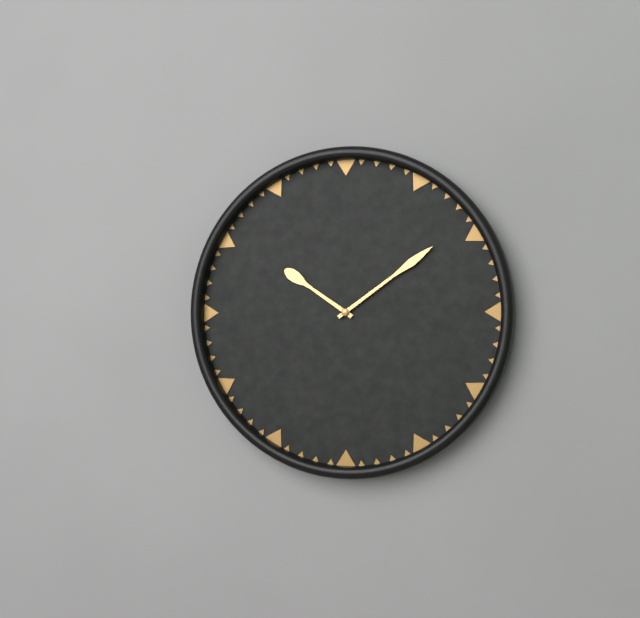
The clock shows h=10 m=9
